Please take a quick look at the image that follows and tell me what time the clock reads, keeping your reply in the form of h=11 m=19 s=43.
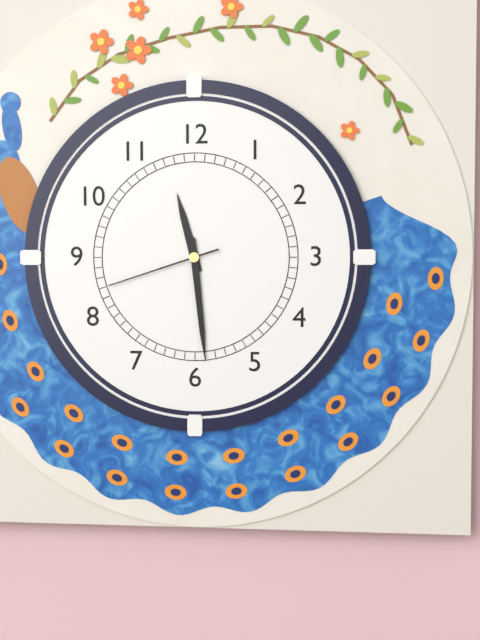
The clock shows h=11 m=29 s=42
